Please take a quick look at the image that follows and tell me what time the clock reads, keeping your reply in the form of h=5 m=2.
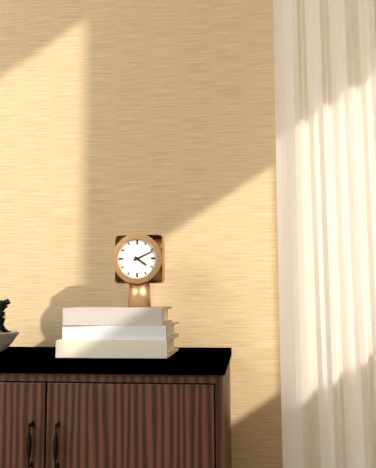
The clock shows h=4 m=11
